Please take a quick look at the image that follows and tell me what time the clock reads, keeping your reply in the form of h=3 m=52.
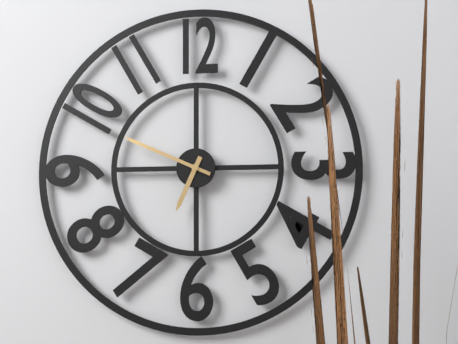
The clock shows h=6 m=49
